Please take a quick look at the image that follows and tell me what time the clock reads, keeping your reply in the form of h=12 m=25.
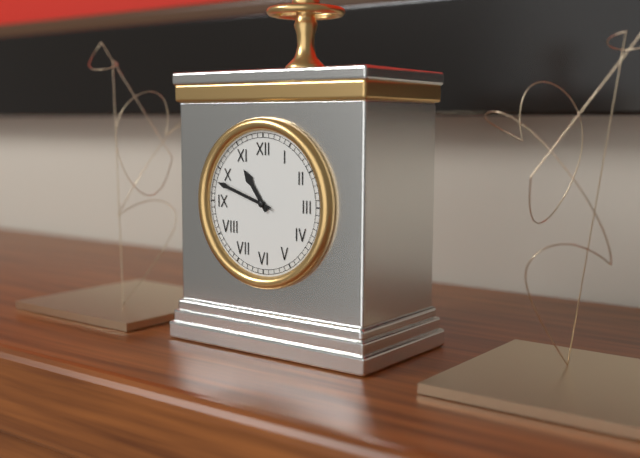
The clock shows h=10 m=48
